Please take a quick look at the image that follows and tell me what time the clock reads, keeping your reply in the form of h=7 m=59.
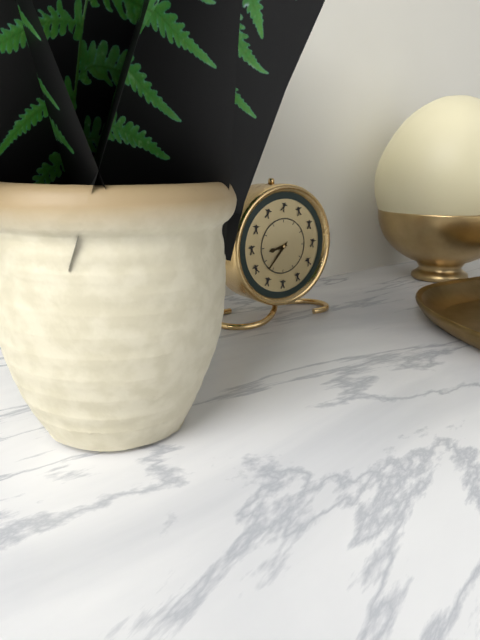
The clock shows h=8 m=37
